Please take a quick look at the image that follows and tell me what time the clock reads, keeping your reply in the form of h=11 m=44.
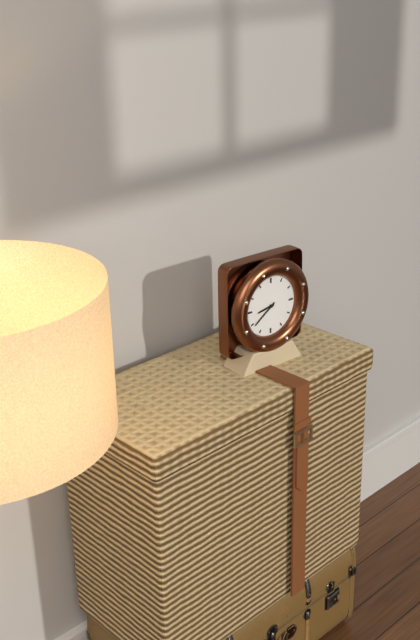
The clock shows h=8 m=39
